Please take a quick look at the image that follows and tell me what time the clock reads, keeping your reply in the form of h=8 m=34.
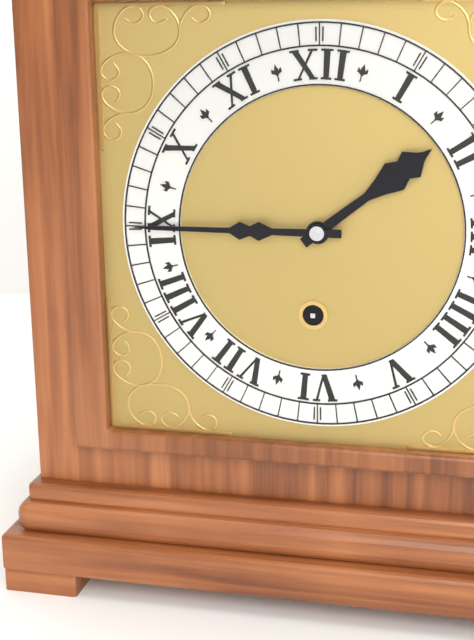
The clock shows h=1 m=45
